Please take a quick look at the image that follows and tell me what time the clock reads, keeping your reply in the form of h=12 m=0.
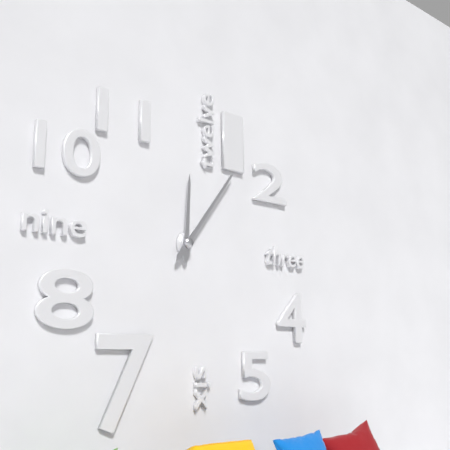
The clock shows h=12 m=6
